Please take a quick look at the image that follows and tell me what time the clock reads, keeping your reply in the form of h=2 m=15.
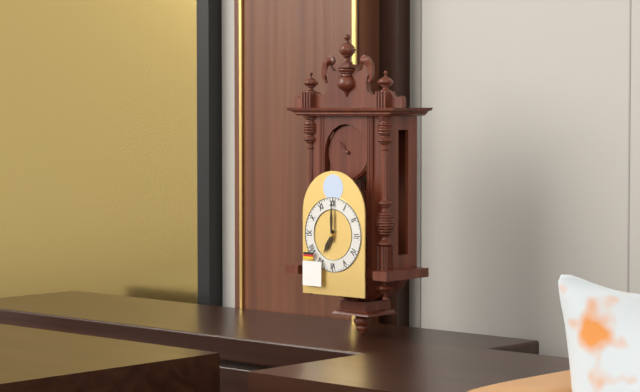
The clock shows h=7 m=0
